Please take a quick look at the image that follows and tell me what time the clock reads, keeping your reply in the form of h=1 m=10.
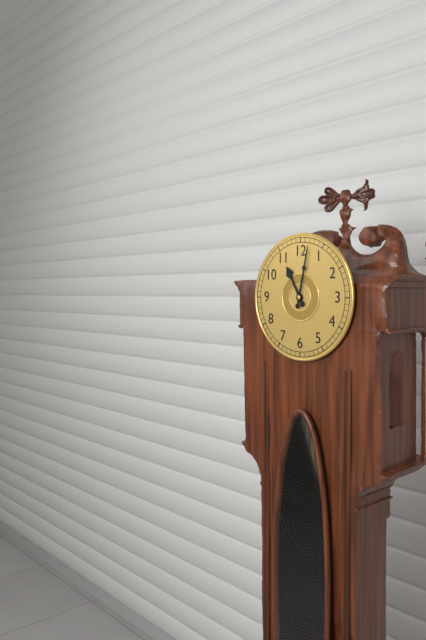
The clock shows h=11 m=2
